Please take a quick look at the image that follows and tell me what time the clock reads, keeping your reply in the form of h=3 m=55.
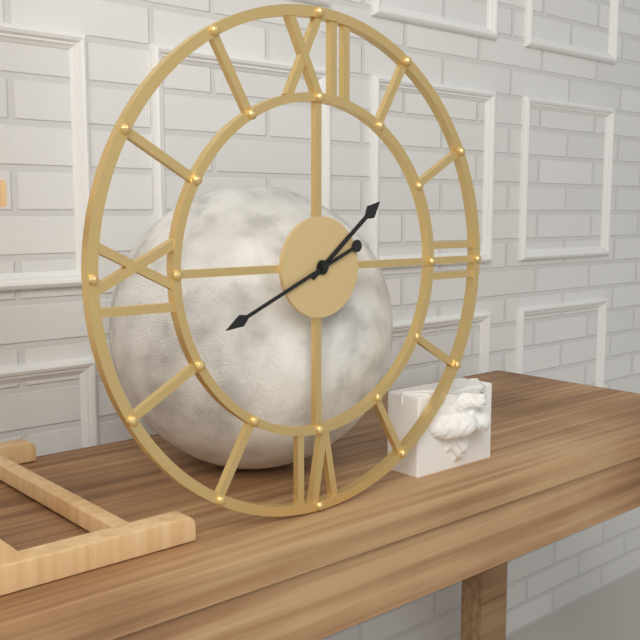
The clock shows h=1 m=41
